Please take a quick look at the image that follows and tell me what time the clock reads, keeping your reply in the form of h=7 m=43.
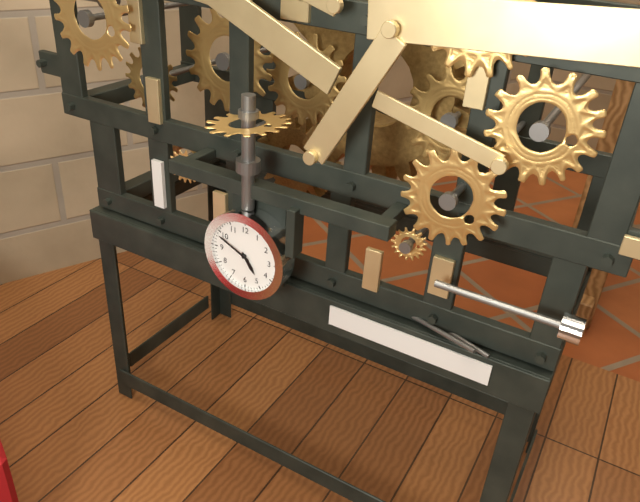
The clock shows h=4 m=49
